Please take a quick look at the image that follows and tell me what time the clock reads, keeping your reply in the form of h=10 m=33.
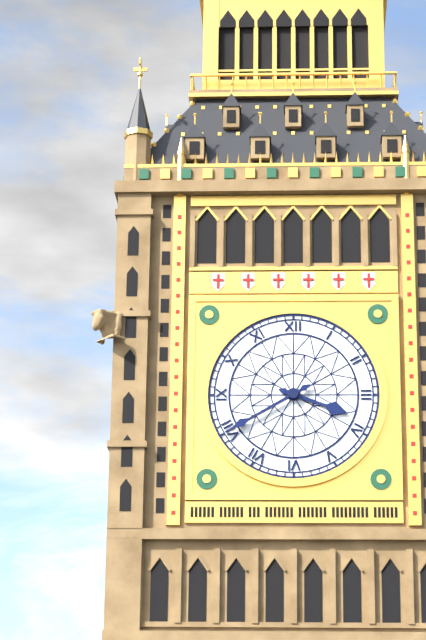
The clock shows h=3 m=40
